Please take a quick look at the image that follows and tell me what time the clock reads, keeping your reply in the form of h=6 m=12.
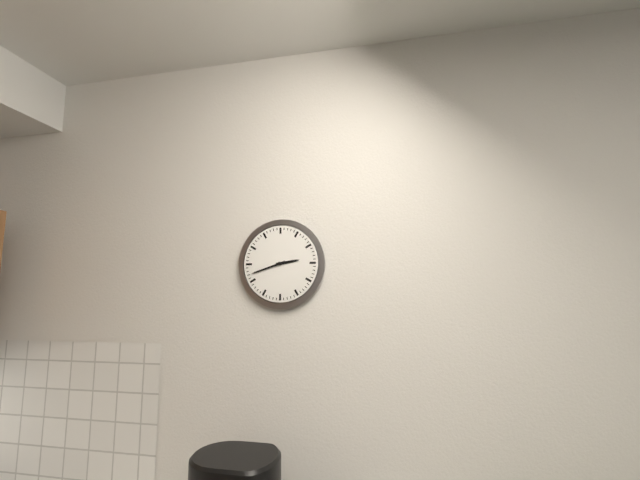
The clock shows h=2 m=42
